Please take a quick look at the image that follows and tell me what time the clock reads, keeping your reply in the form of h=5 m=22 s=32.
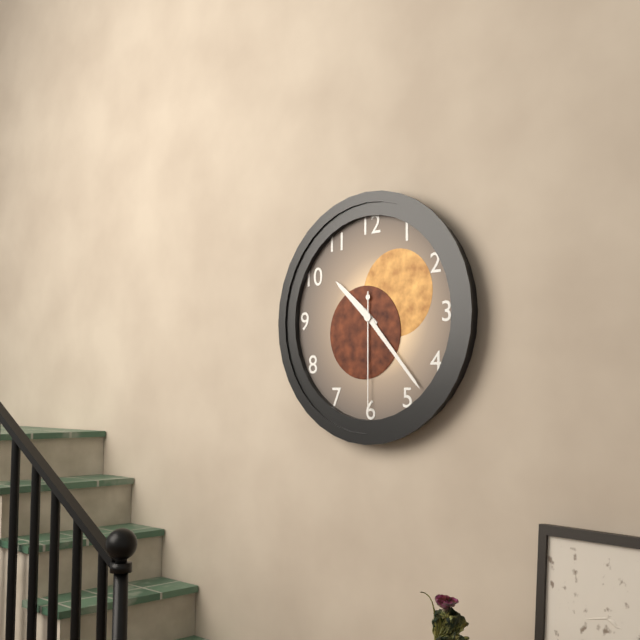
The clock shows h=10 m=23 s=30
